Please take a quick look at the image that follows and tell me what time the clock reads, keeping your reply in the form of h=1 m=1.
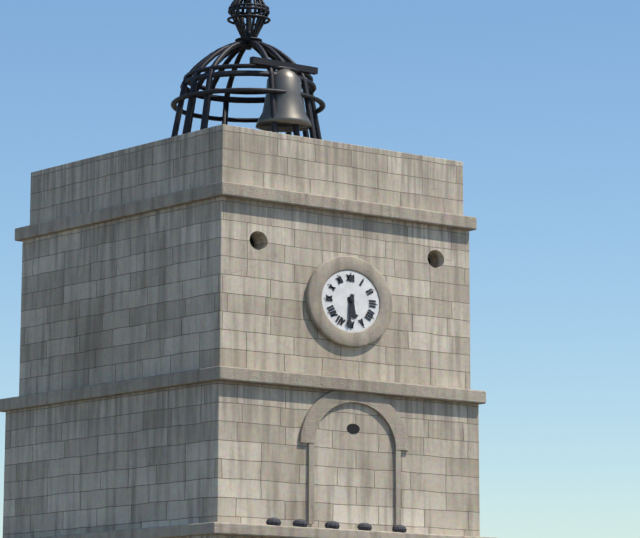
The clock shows h=5 m=31
